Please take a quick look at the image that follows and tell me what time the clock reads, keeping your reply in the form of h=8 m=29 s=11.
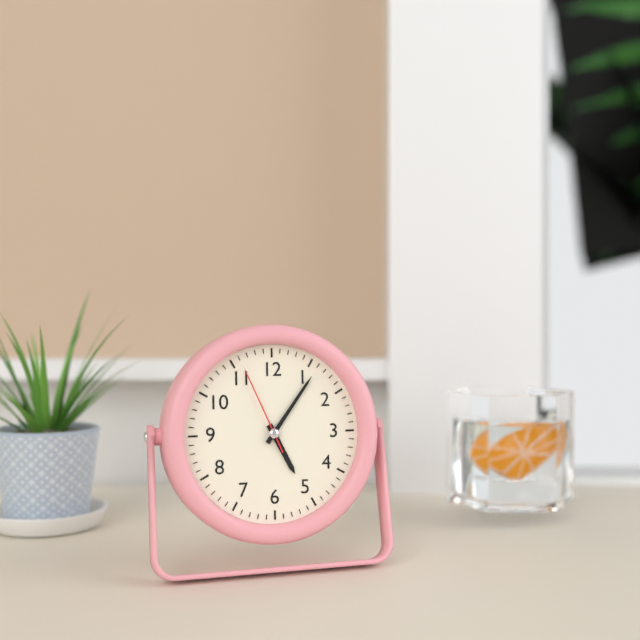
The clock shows h=5 m=6 s=56
